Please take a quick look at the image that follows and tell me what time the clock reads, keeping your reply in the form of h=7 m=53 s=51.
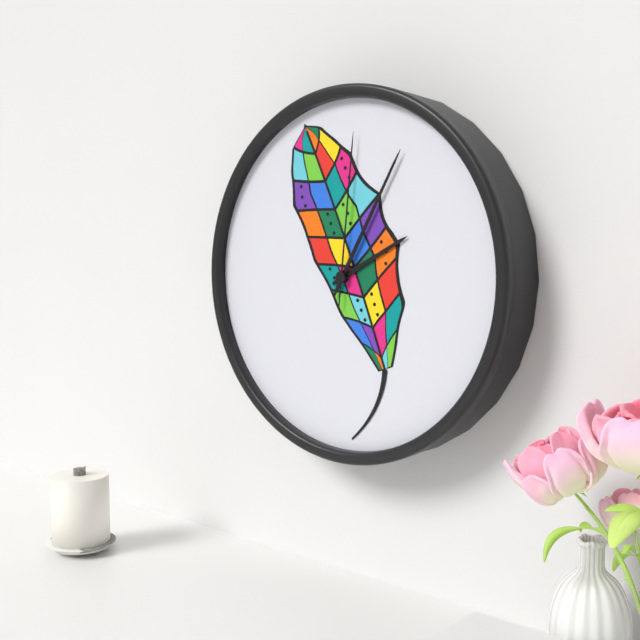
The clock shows h=2 m=5 s=1
